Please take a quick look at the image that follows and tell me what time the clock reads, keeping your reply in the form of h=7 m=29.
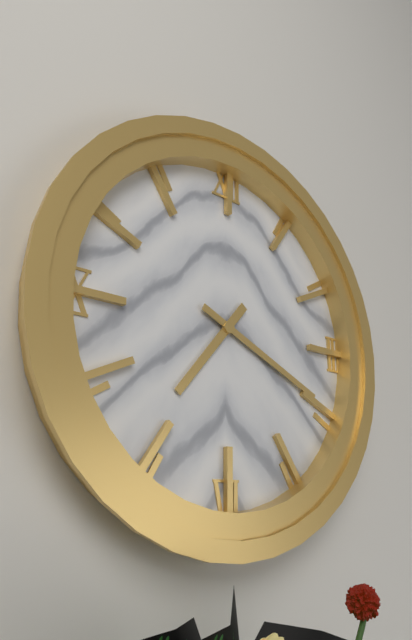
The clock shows h=7 m=19
